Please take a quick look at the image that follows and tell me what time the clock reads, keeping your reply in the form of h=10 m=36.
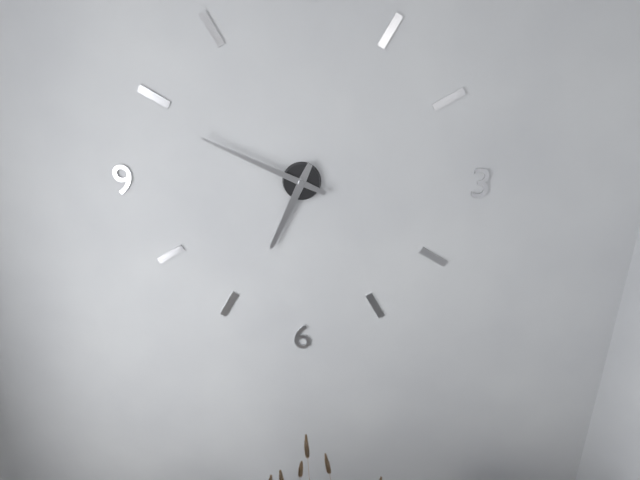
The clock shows h=6 m=49
